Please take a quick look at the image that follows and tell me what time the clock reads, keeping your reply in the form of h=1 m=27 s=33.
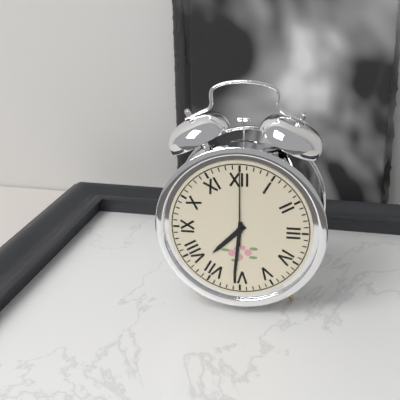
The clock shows h=7 m=31 s=0
